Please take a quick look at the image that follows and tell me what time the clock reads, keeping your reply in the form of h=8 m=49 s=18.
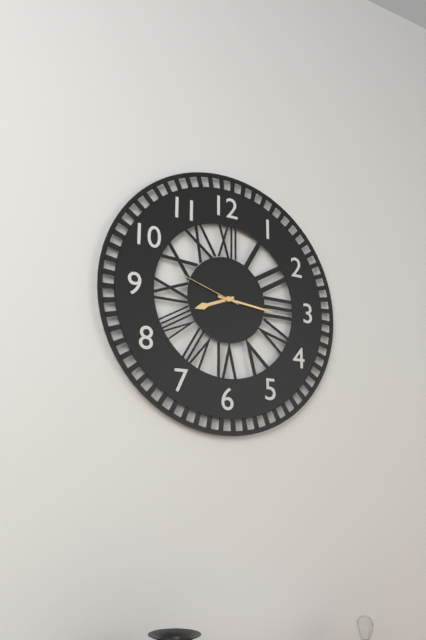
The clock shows h=8 m=16 s=48
